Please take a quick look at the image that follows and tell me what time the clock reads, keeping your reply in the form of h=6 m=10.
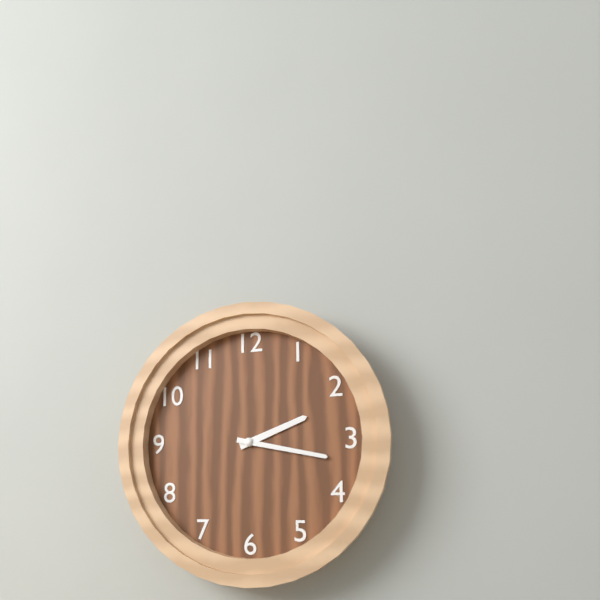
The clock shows h=2 m=17
